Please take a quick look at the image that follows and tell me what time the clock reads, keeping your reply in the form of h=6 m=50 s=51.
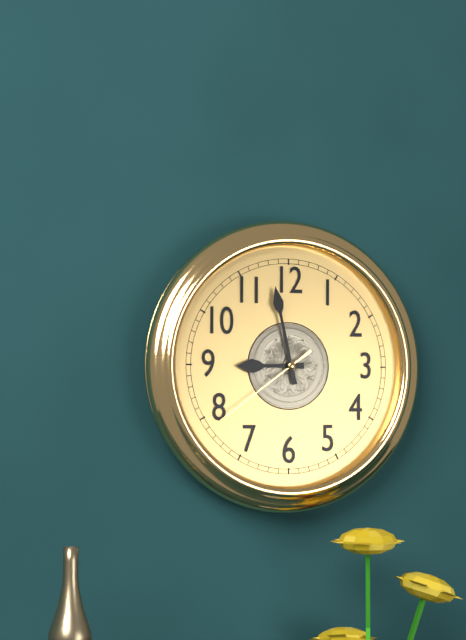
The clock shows h=8 m=58 s=39
